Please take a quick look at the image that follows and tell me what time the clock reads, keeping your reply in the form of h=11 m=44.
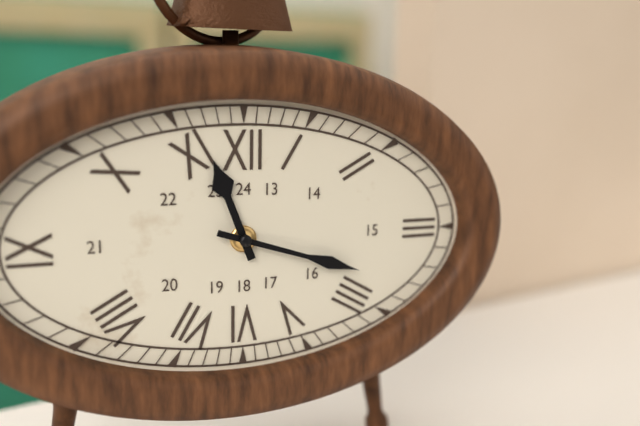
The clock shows h=11 m=18
